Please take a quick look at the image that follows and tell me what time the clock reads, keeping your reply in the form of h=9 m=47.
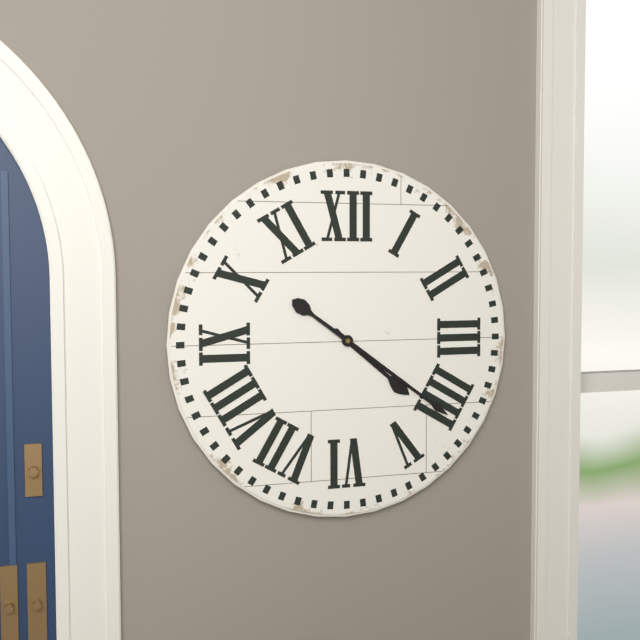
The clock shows h=4 m=21
